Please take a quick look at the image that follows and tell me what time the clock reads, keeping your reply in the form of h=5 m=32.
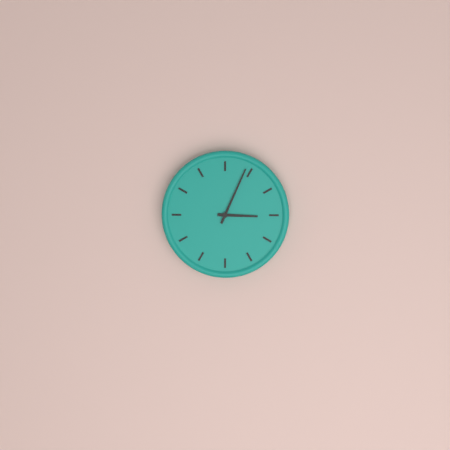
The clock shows h=3 m=4
